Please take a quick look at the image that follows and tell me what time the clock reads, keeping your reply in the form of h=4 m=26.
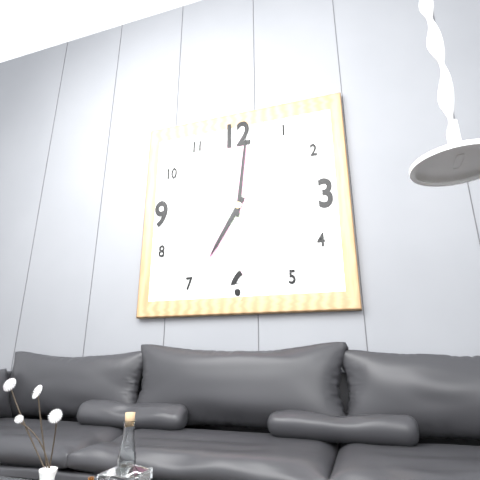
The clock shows h=7 m=1
